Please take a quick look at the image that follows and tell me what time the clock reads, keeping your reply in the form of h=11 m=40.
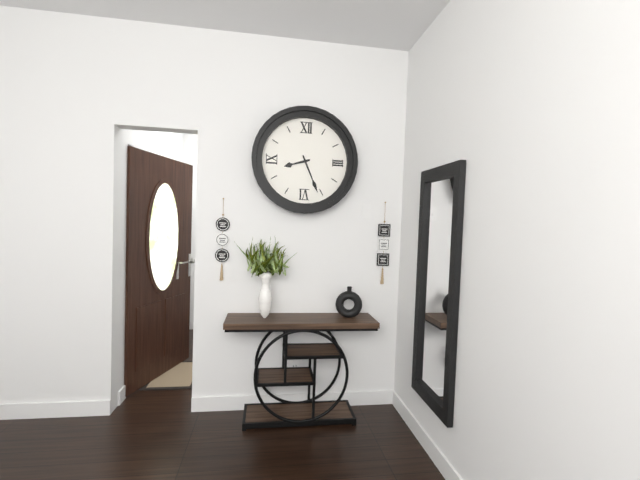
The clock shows h=8 m=26
